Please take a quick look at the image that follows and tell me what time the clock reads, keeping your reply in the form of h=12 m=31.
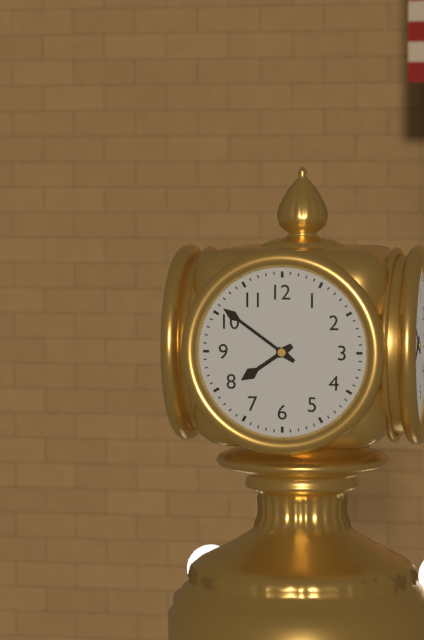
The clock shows h=7 m=51
